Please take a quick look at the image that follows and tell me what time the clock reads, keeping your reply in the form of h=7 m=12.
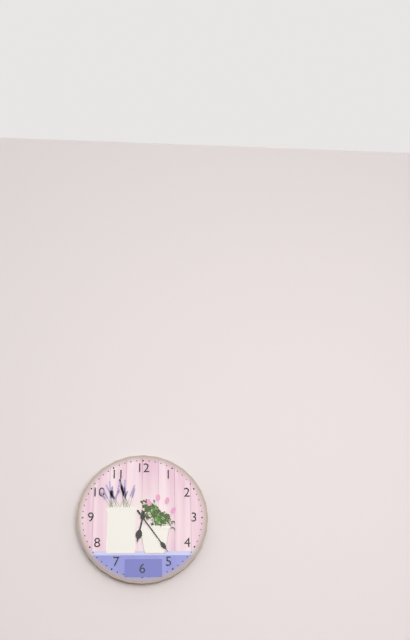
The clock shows h=6 m=24
